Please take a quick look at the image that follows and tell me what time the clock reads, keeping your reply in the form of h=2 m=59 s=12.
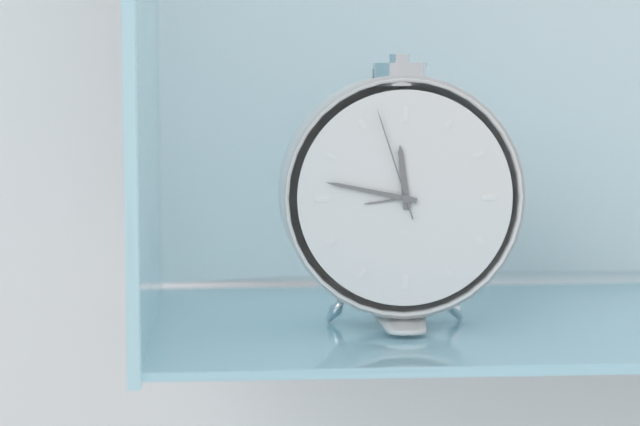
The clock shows h=11 m=47 s=57
